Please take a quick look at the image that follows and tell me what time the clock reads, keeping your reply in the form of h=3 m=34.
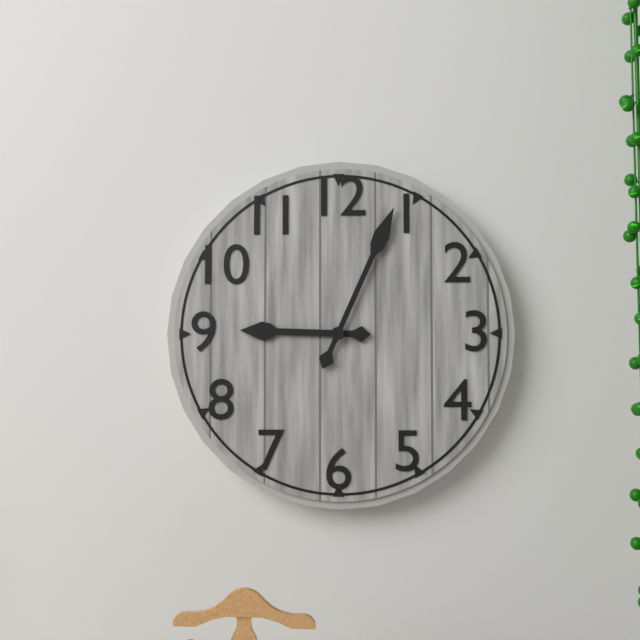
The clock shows h=9 m=4
